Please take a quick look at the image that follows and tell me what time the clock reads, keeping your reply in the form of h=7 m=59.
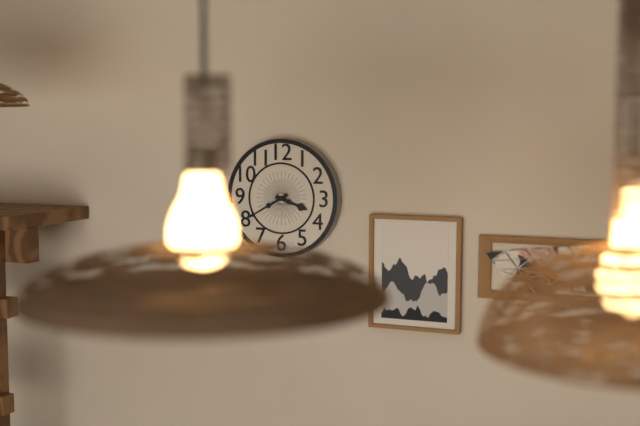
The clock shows h=3 m=40
